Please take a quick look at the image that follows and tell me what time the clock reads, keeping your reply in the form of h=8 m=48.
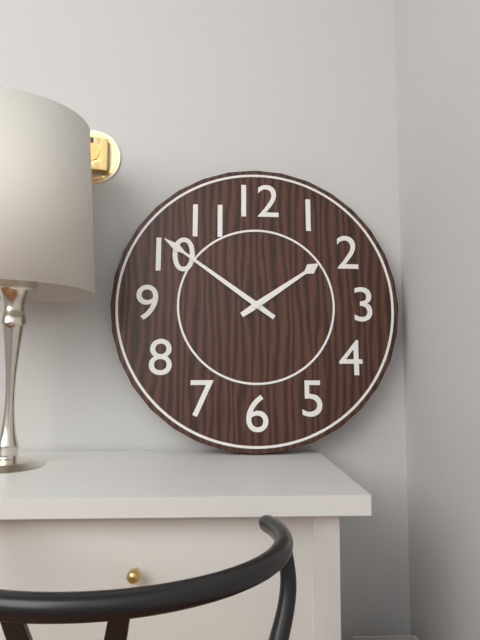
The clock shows h=1 m=51
